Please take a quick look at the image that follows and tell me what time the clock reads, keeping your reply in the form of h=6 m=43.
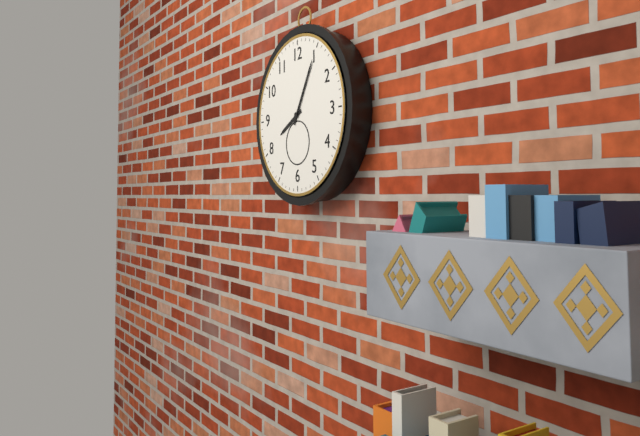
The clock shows h=8 m=5
